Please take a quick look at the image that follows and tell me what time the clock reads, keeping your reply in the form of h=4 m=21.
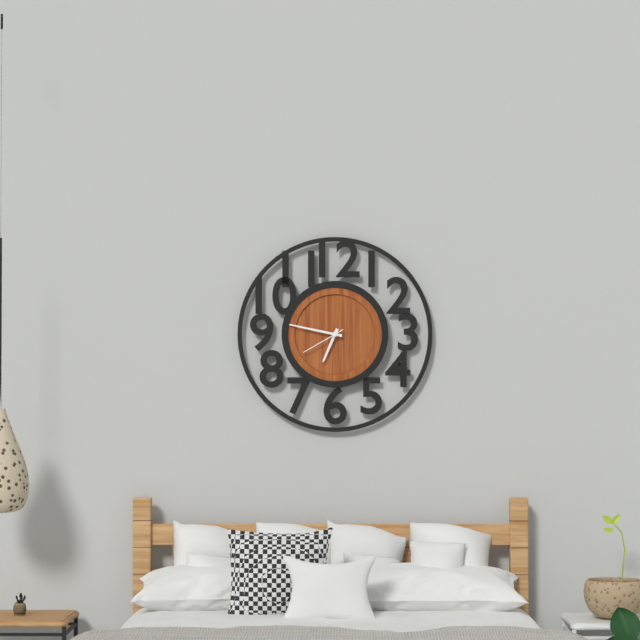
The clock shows h=6 m=47
